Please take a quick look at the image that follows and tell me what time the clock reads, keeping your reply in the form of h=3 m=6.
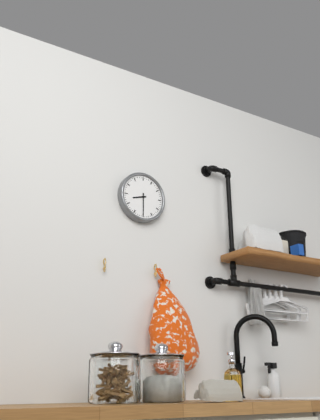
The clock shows h=8 m=30
